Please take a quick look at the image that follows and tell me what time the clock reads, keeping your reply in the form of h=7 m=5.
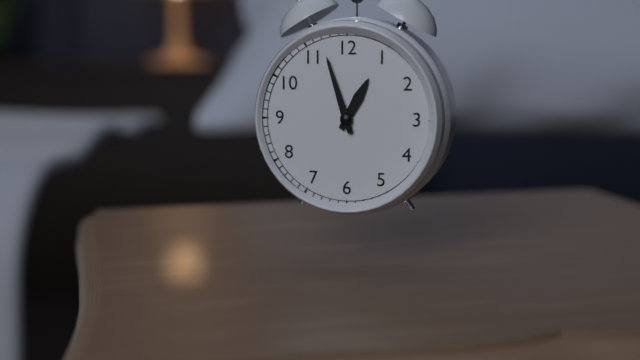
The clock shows h=12 m=57
